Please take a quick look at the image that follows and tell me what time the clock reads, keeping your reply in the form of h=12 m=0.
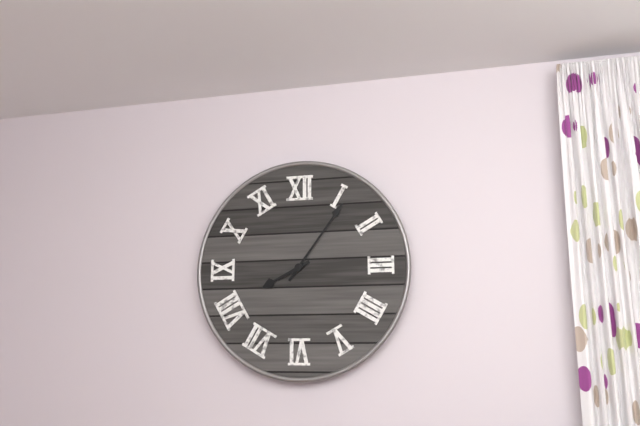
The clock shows h=8 m=6
